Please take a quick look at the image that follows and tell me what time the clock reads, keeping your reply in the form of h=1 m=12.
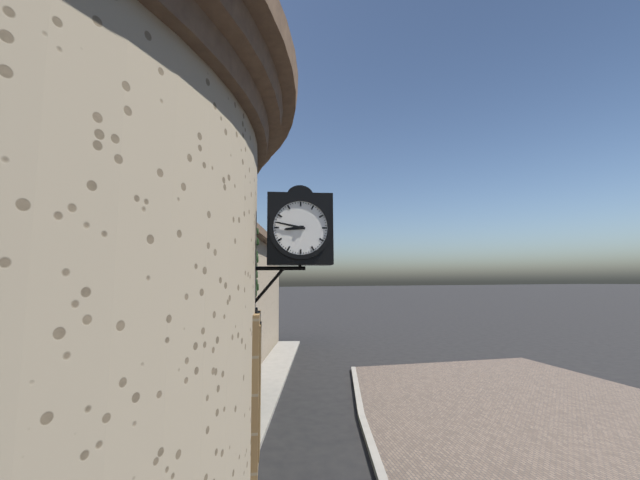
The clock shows h=8 m=47
